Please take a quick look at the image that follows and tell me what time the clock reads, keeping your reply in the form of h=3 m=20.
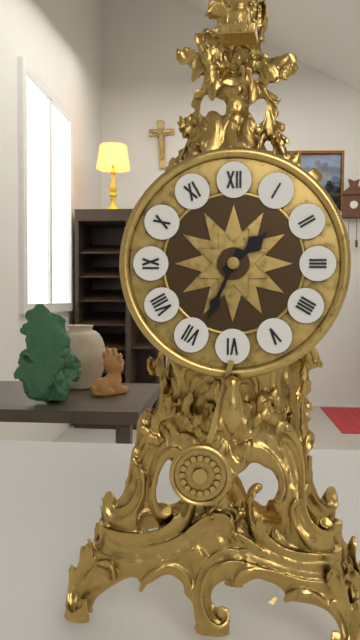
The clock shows h=1 m=34
